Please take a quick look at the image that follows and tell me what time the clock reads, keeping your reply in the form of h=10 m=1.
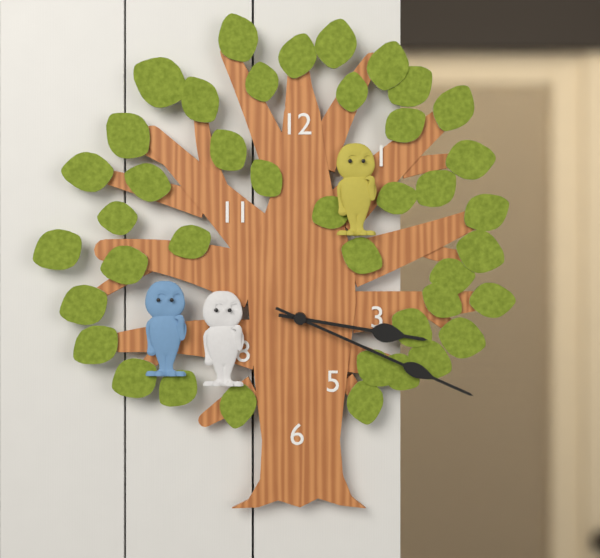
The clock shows h=3 m=19
